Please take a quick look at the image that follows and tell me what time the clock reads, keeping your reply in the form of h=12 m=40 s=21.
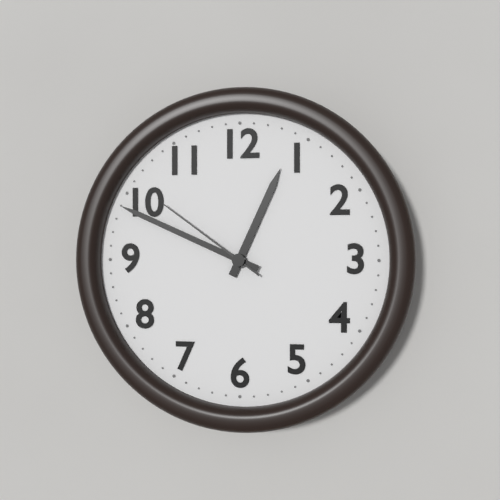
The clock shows h=12 m=49 s=51
